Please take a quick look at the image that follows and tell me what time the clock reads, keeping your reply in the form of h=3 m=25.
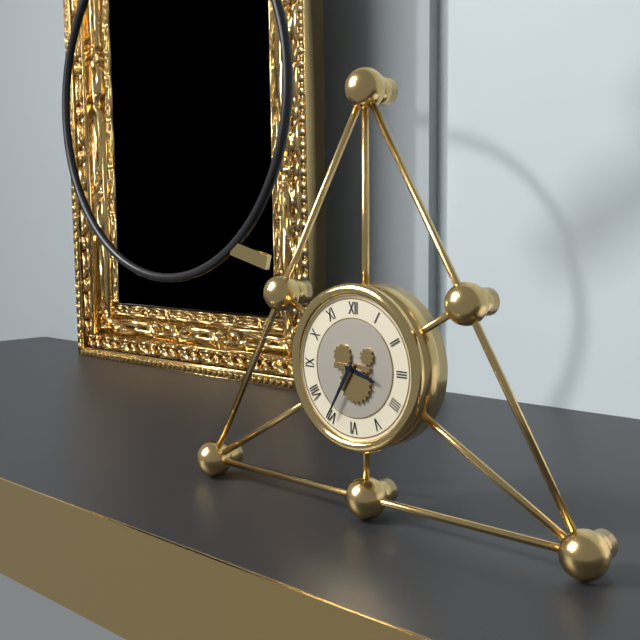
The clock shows h=3 m=35
